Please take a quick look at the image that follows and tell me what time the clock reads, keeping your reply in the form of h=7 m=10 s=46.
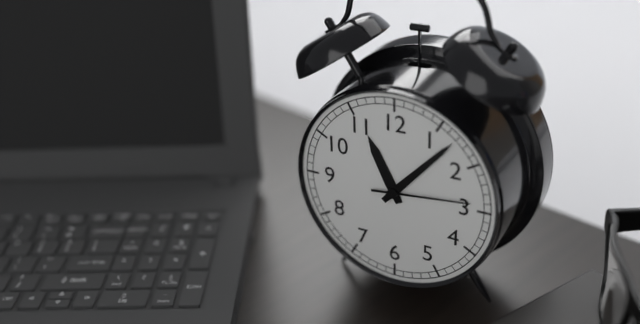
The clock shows h=11 m=7 s=14
